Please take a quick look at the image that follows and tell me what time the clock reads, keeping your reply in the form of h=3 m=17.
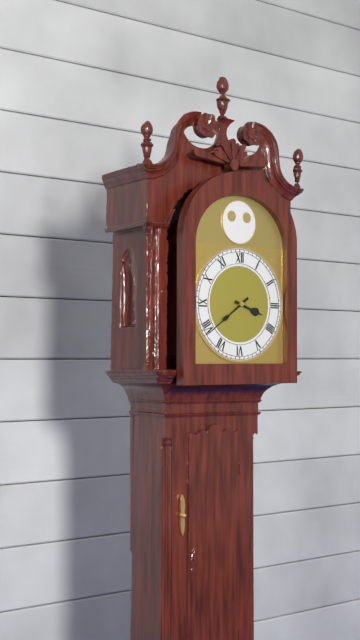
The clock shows h=3 m=39
